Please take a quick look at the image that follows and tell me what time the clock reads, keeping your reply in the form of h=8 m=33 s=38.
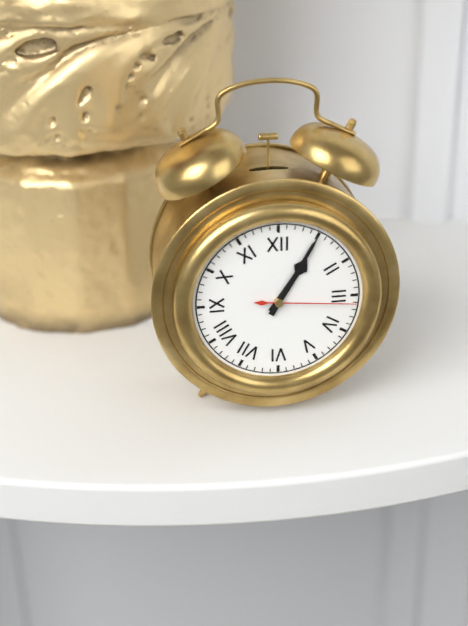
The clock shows h=1 m=5 s=16
